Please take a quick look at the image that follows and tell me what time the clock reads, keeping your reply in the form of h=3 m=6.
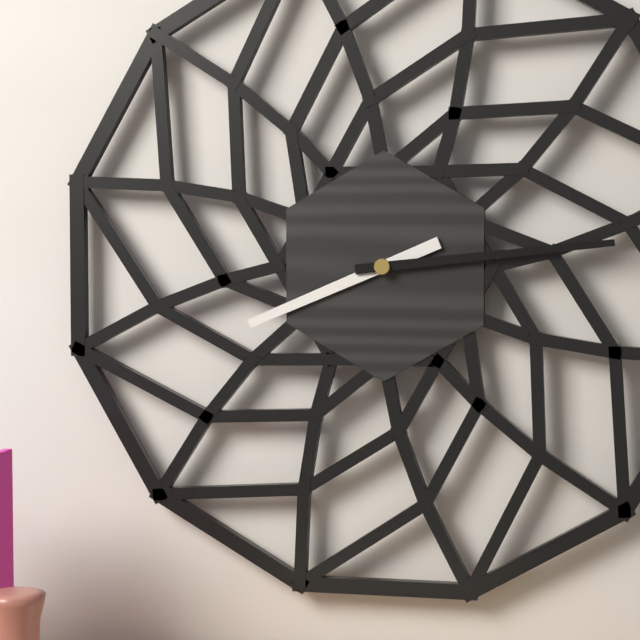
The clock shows h=8 m=14
